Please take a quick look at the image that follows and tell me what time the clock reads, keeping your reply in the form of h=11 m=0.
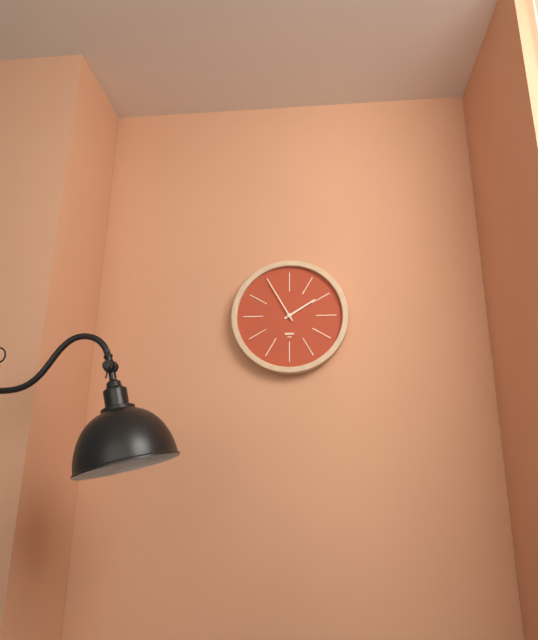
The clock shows h=1 m=55
